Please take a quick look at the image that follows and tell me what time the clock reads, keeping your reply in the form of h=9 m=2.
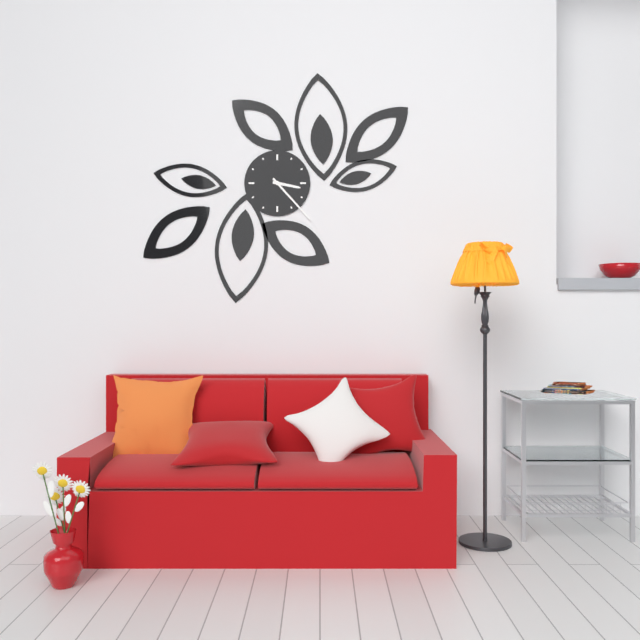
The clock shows h=3 m=23
